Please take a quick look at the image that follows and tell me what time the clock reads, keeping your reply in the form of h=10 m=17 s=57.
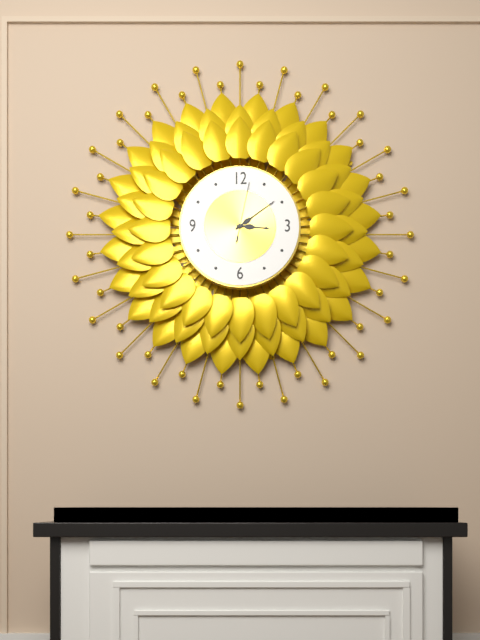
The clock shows h=3 m=9 s=2
